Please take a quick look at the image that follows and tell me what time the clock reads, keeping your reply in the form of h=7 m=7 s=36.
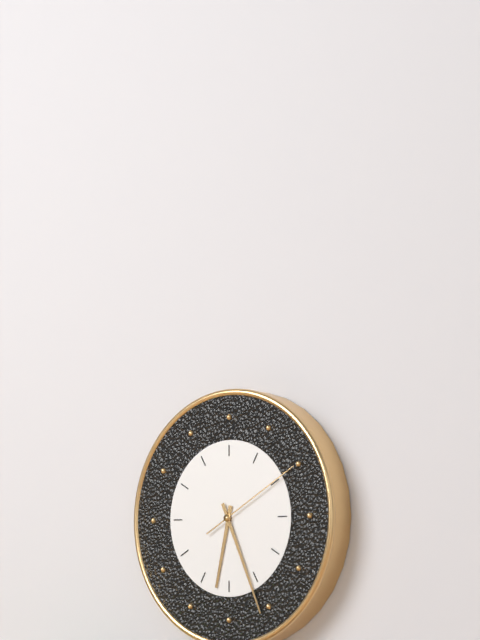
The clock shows h=6 m=26 s=10
